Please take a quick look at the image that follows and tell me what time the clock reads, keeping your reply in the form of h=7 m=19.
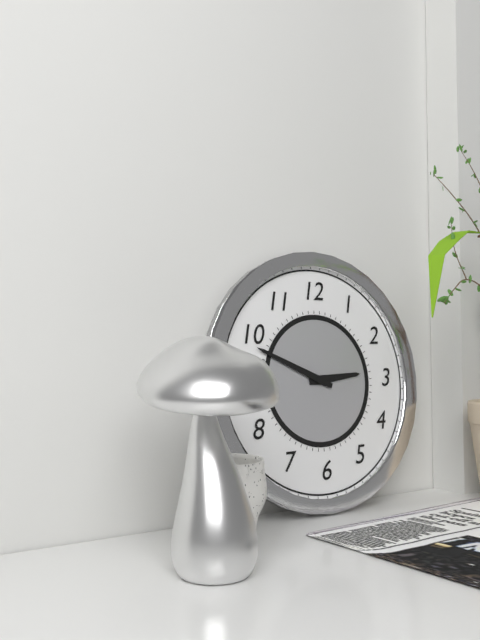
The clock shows h=2 m=49
